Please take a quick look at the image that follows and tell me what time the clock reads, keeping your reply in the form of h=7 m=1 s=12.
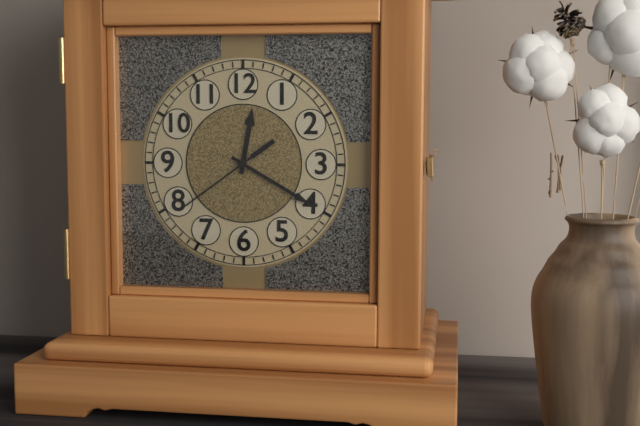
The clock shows h=12 m=20 s=39
